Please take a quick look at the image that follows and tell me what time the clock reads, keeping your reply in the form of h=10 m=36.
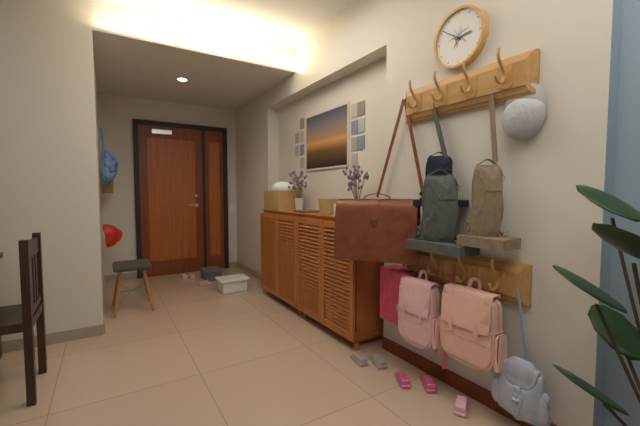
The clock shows h=2 m=51
